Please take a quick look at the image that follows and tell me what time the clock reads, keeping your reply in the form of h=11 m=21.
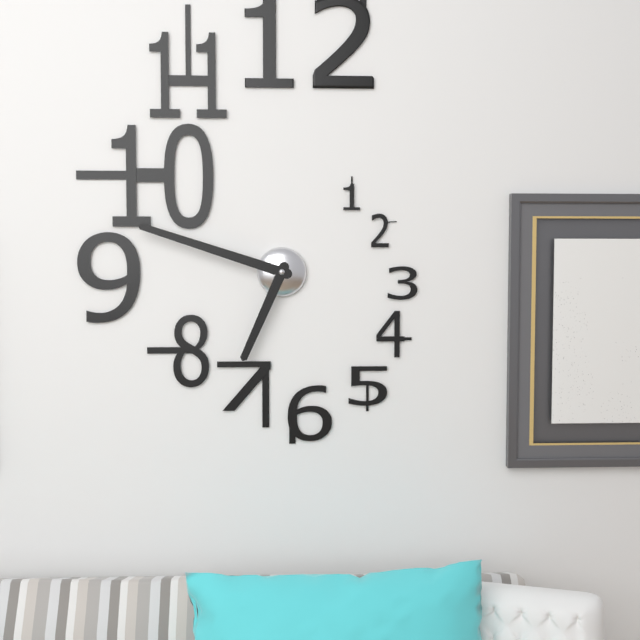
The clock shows h=6 m=48
